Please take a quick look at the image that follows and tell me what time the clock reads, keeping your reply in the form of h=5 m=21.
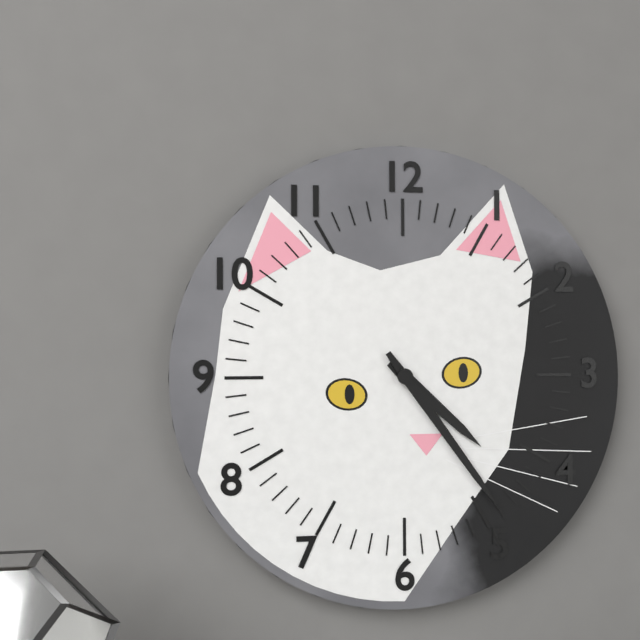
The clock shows h=4 m=24
